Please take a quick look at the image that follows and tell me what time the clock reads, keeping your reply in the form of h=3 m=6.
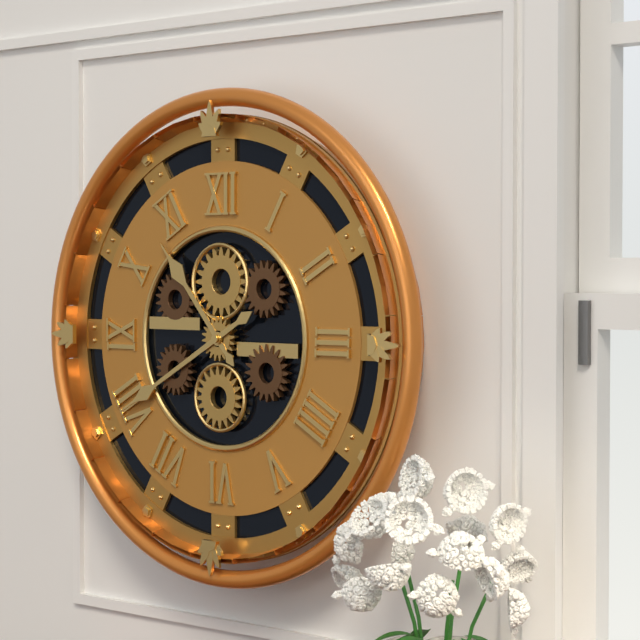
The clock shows h=10 m=40
